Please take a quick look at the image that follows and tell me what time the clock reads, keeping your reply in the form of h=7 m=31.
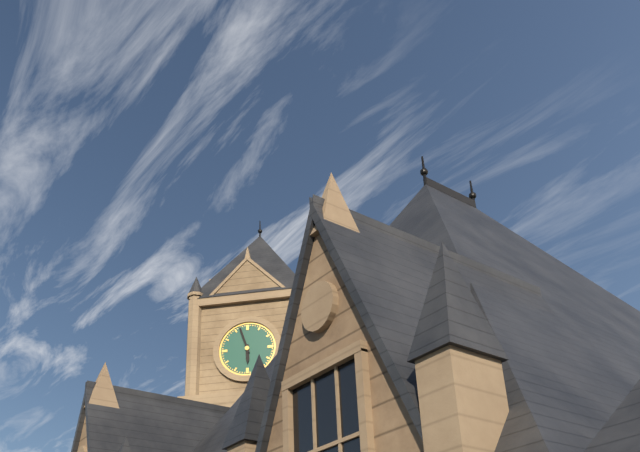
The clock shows h=5 m=57
